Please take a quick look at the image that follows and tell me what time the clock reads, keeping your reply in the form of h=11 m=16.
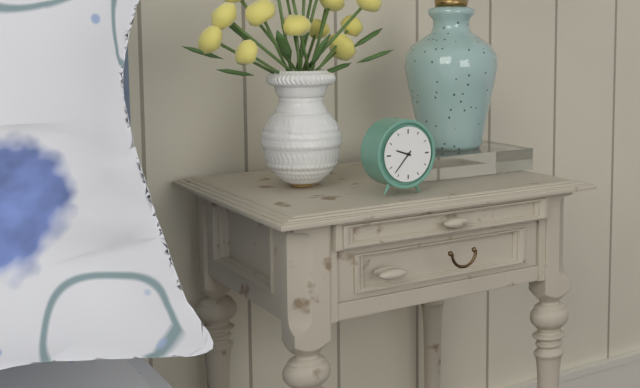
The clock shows h=9 m=37
